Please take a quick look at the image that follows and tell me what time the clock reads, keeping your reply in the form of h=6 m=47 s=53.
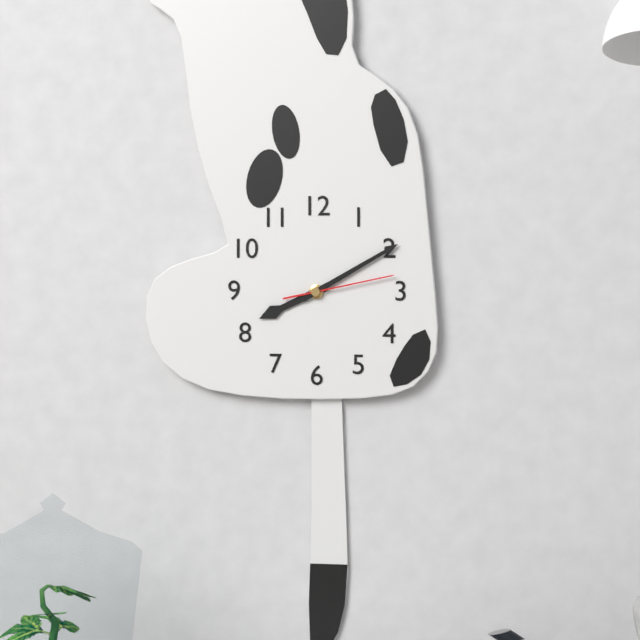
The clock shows h=8 m=10 s=13
